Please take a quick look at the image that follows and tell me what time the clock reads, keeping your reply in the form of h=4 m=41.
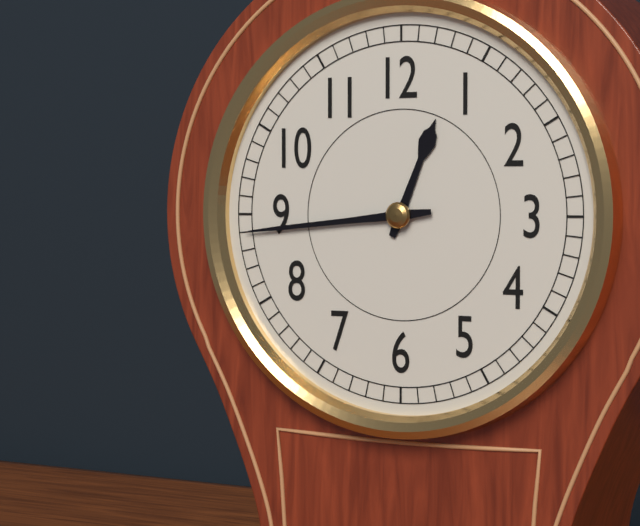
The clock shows h=12 m=44
